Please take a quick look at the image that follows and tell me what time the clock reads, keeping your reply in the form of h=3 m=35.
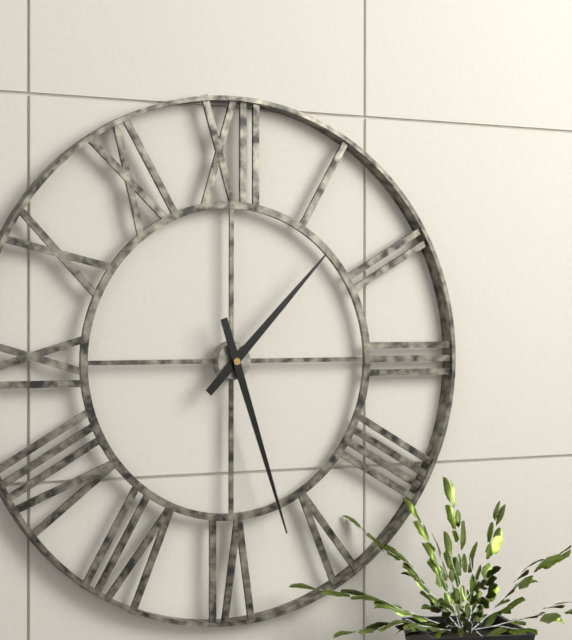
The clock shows h=1 m=27
